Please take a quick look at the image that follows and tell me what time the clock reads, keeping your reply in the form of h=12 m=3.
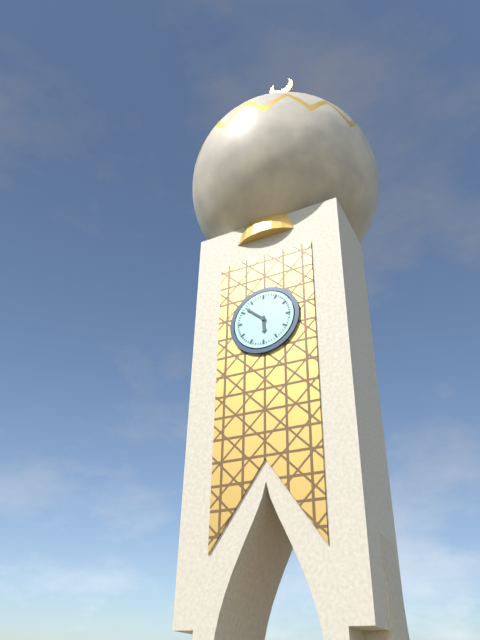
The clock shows h=5 m=52
